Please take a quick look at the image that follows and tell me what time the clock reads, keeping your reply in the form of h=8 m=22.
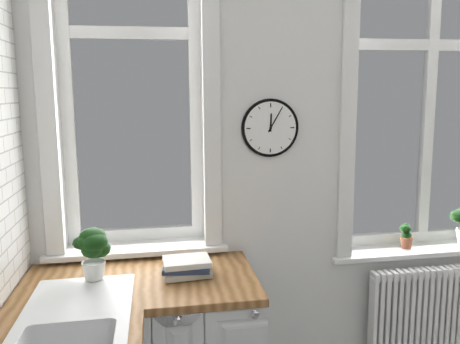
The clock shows h=12 m=5
